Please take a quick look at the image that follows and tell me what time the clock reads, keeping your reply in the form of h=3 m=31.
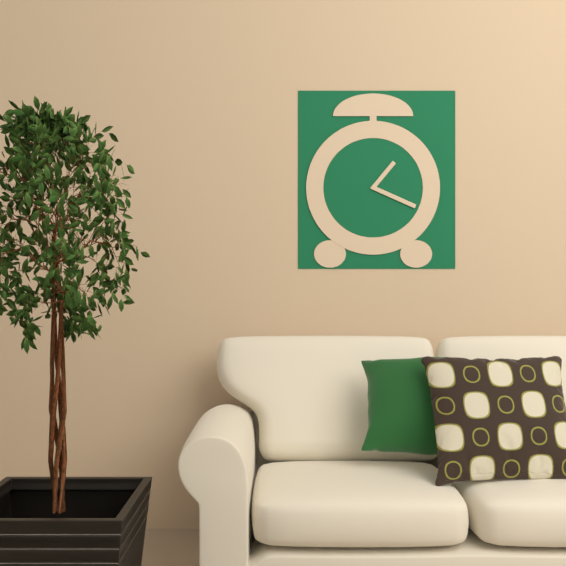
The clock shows h=1 m=19
